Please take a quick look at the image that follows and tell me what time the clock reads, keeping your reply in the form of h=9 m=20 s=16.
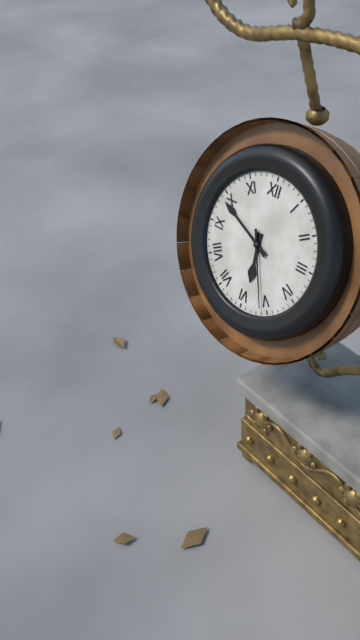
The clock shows h=5 m=49 s=26
